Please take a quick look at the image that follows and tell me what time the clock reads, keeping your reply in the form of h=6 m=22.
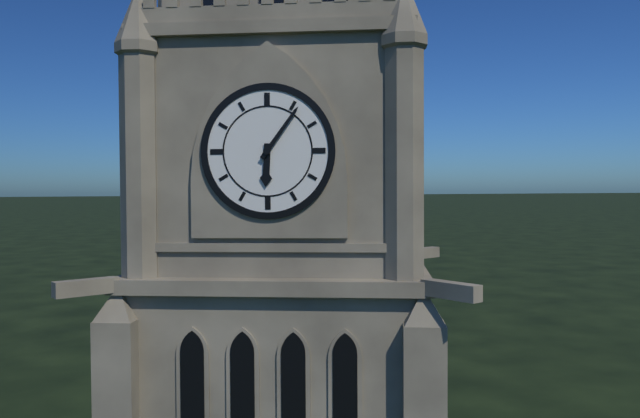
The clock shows h=6 m=6
